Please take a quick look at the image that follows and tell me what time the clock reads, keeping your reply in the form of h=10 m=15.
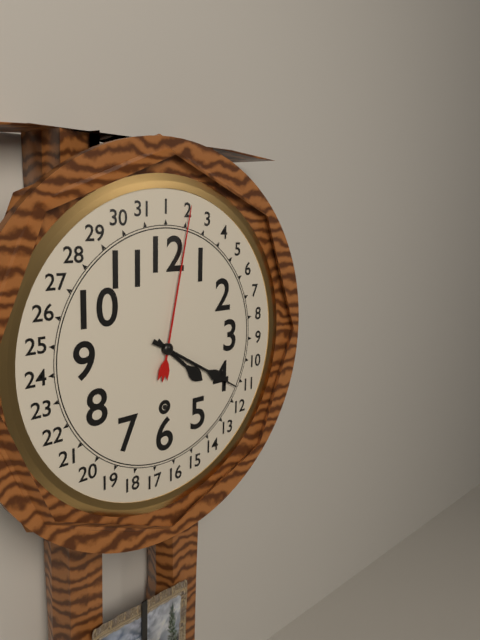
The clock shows h=4 m=20
